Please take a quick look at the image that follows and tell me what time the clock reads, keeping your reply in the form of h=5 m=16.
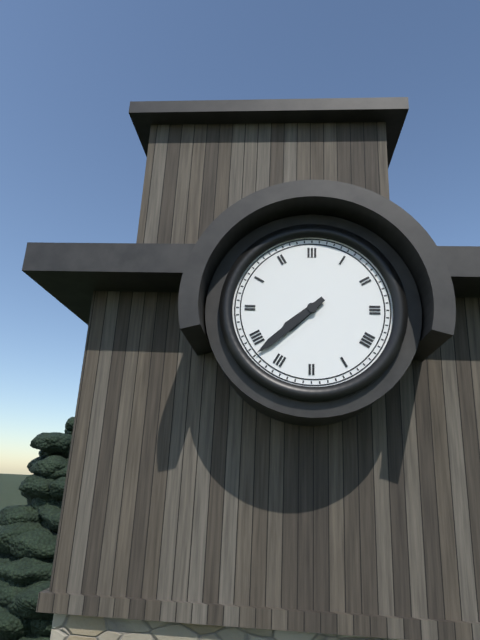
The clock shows h=7 m=38
